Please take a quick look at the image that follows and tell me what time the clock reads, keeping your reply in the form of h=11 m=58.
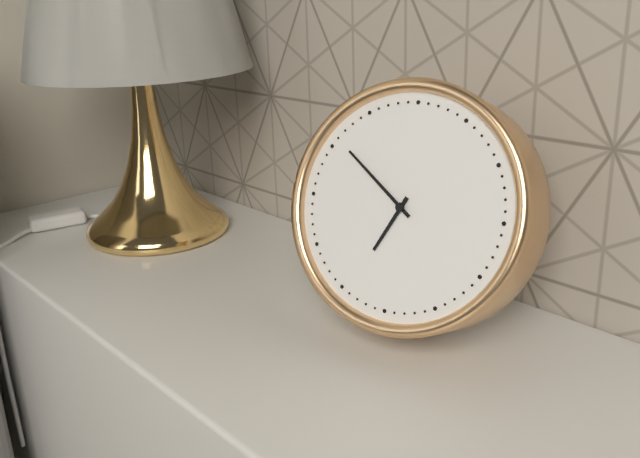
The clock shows h=6 m=51
